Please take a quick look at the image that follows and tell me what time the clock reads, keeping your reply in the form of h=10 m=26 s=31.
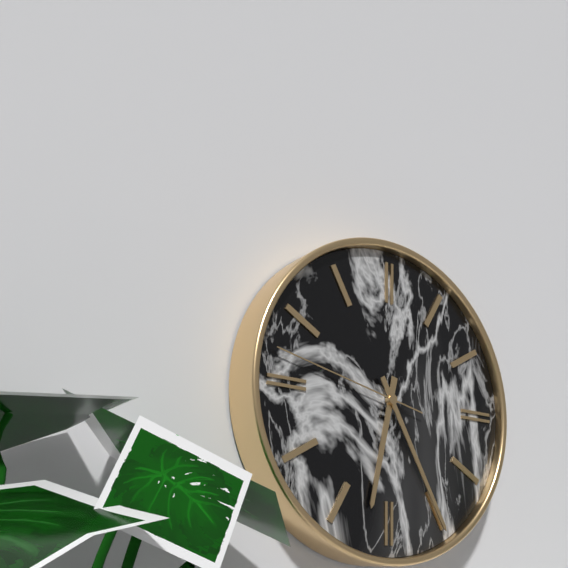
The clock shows h=6 m=25 s=47
